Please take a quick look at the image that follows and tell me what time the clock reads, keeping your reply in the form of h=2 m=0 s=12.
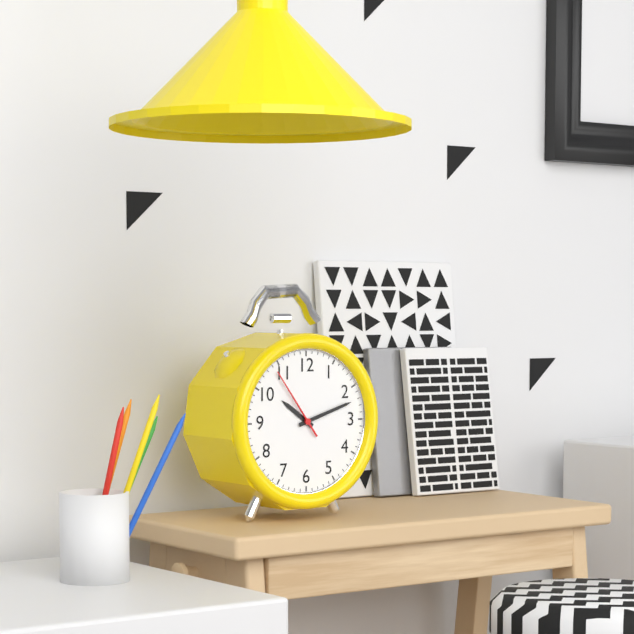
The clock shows h=10 m=12 s=54
